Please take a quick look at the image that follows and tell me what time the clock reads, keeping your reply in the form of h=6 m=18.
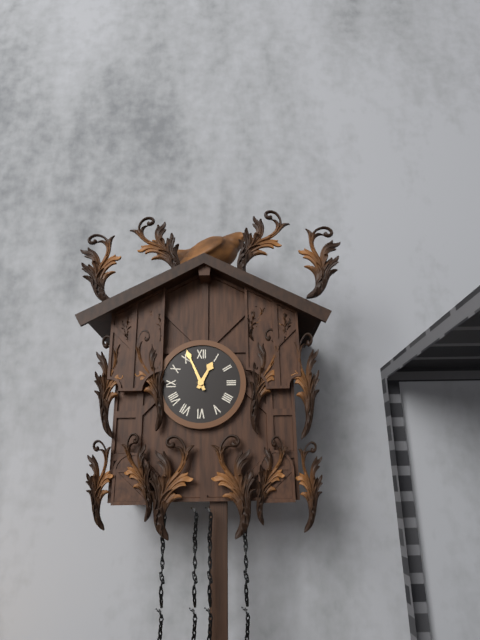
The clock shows h=12 m=56
